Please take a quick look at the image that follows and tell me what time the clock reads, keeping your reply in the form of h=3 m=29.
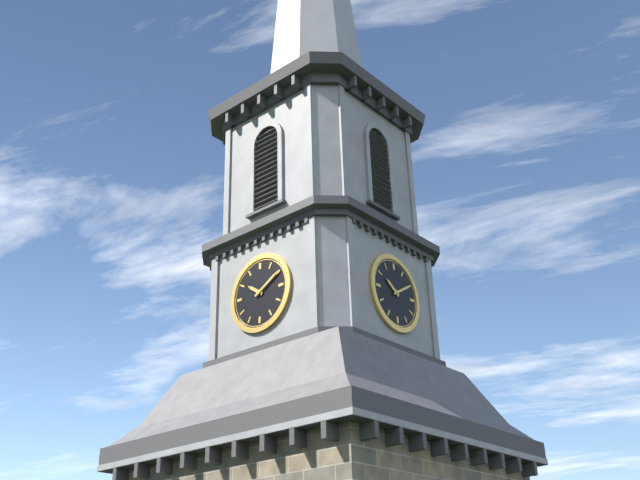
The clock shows h=10 m=10
